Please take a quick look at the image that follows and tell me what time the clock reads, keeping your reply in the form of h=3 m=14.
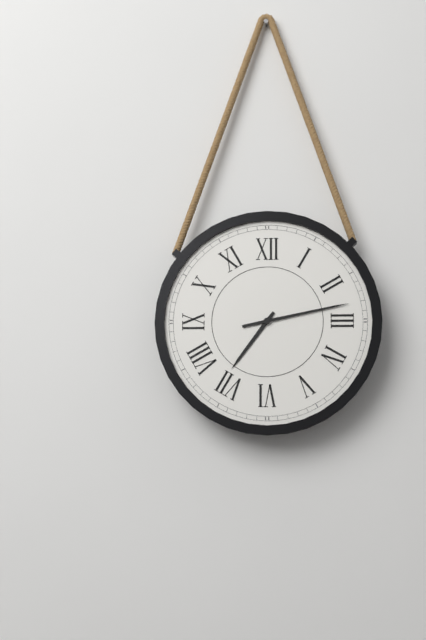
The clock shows h=7 m=13
